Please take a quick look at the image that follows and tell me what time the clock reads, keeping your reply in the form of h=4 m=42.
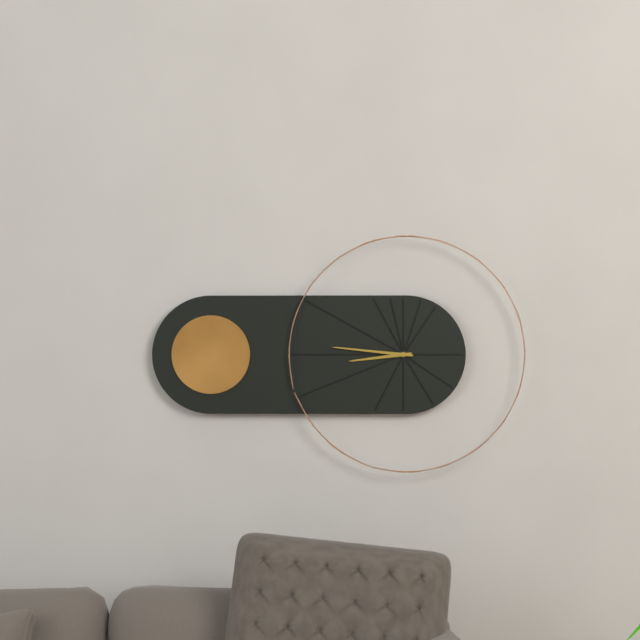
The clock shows h=8 m=46
